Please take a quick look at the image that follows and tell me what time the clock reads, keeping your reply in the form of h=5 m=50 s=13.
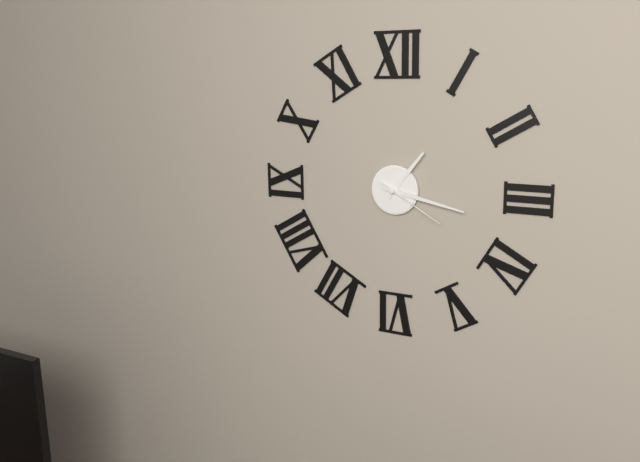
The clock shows h=1 m=17 s=20
